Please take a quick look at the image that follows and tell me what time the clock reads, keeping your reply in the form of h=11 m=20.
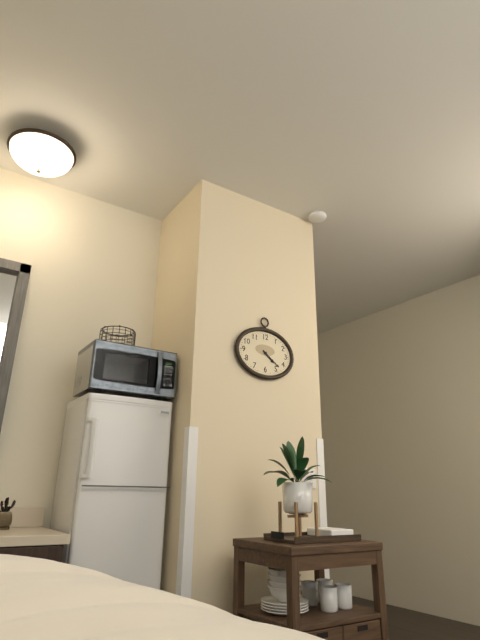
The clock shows h=4 m=21
